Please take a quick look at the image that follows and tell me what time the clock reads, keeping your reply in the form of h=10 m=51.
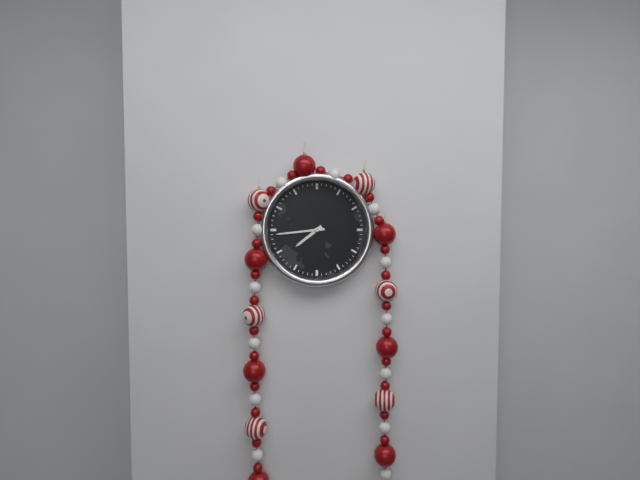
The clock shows h=7 m=44
